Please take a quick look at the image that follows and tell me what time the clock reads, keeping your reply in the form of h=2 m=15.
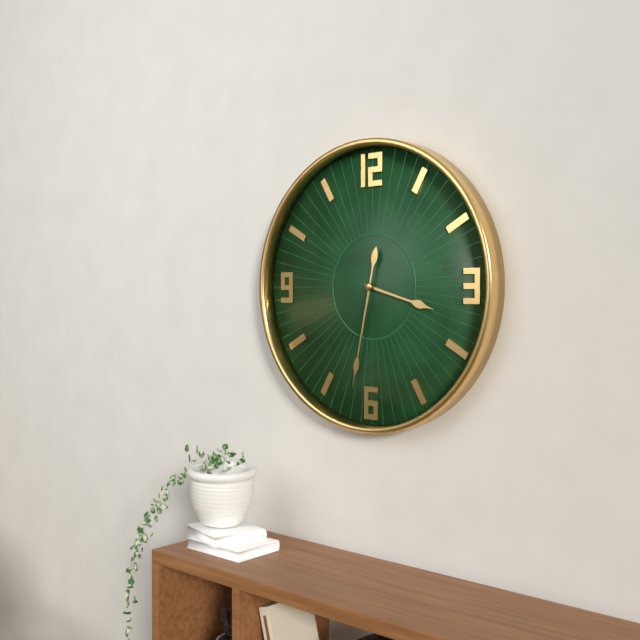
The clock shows h=3 m=32
